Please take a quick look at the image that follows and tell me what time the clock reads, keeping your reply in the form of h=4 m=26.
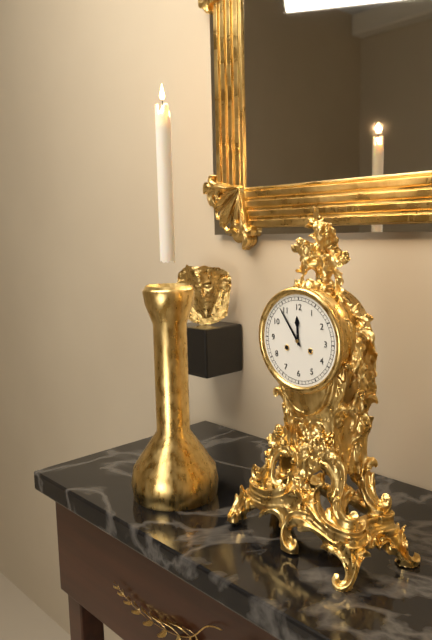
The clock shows h=11 m=54
